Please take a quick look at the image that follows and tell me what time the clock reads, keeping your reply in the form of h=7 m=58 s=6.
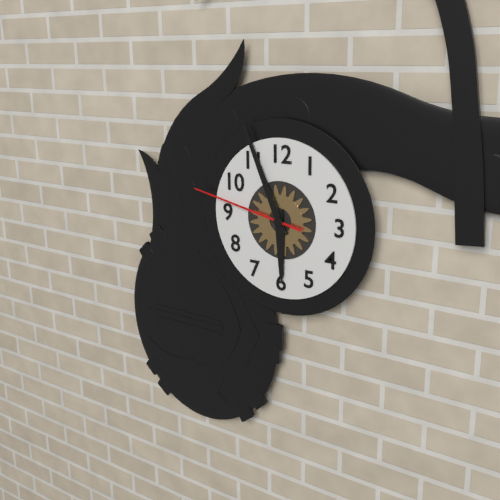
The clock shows h=5 m=56 s=47
